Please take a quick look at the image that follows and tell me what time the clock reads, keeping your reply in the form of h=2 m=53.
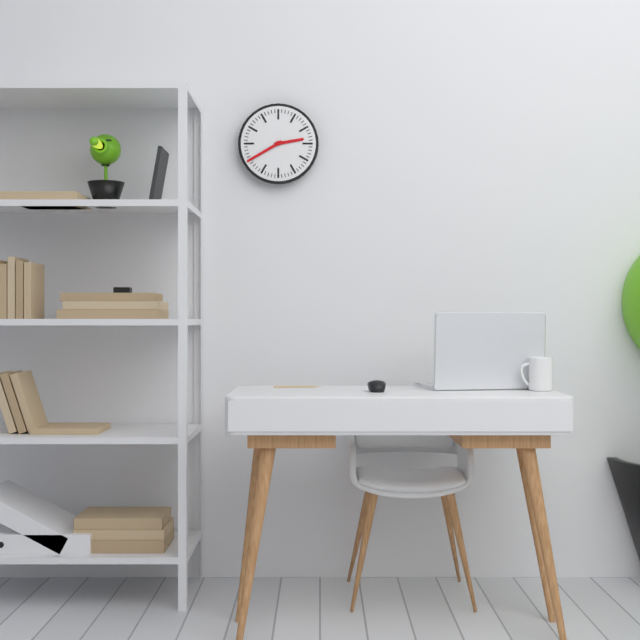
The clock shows h=2 m=40
